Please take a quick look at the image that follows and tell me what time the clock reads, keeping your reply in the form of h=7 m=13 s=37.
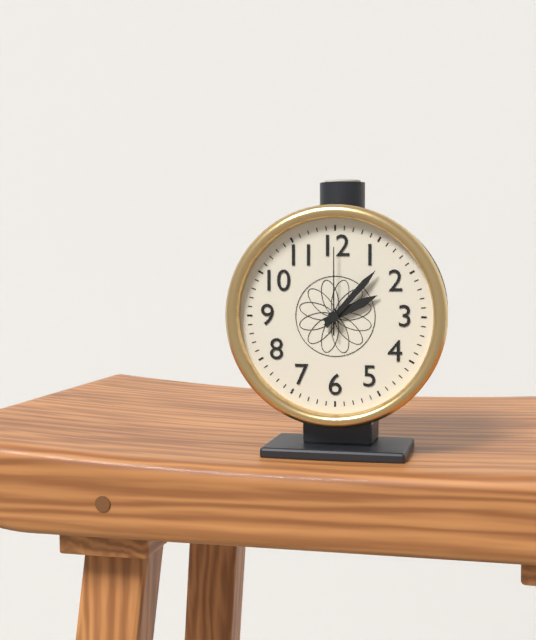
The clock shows h=2 m=7 s=0
